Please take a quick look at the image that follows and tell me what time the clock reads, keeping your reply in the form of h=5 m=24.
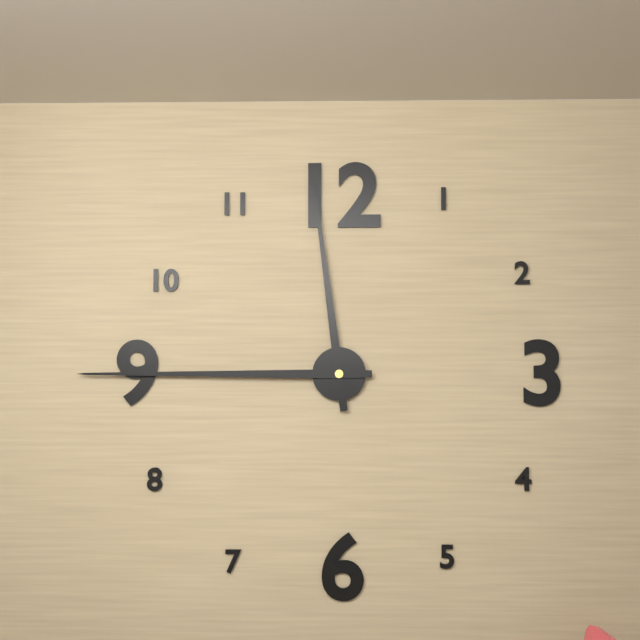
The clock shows h=11 m=45
